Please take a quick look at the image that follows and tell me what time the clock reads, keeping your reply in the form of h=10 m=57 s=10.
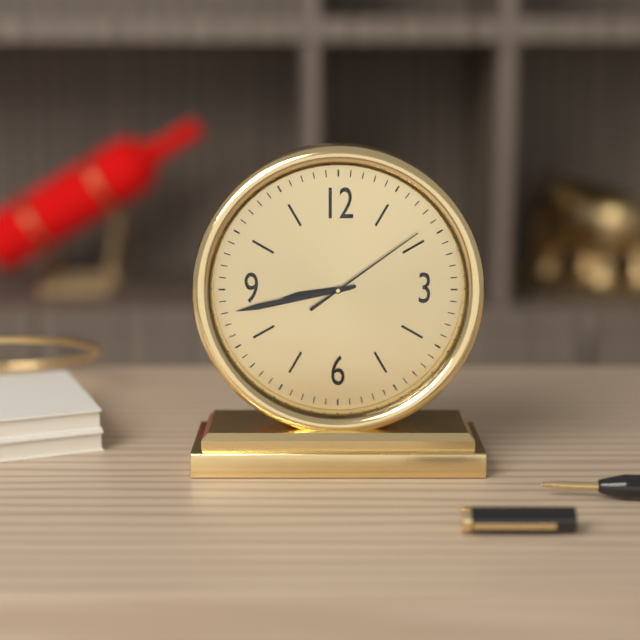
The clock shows h=8 m=43 s=9
